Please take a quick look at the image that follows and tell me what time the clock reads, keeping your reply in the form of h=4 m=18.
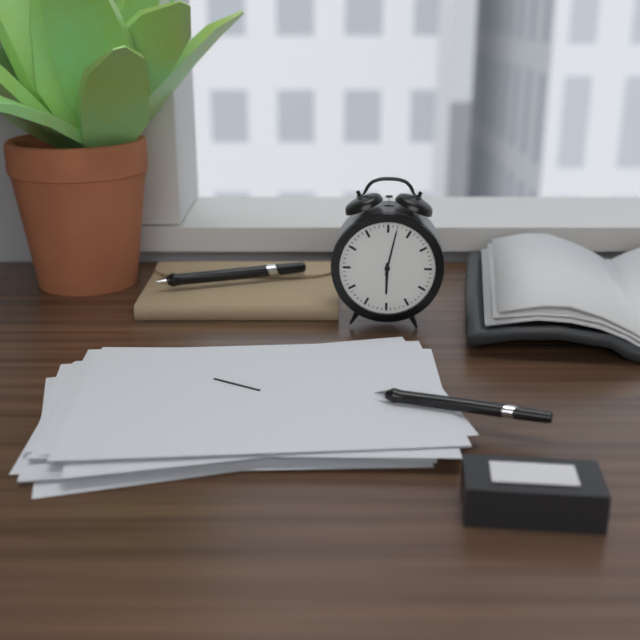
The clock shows h=6 m=2
